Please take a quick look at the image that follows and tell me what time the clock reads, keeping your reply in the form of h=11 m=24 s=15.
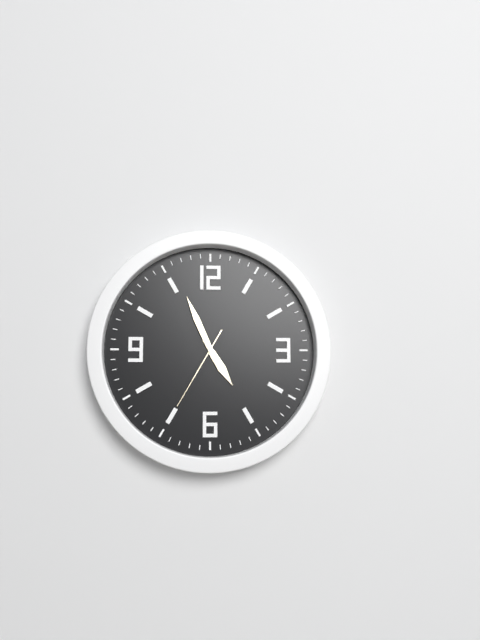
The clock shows h=4 m=56 s=35
